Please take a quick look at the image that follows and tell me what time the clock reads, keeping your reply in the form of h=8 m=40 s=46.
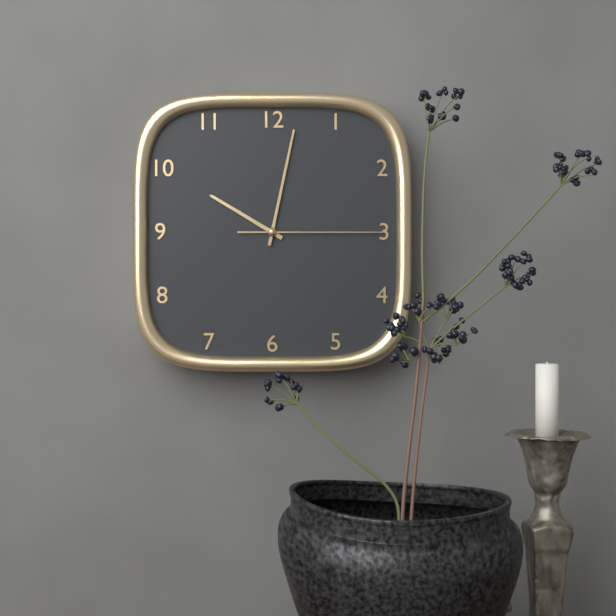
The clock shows h=10 m=2 s=15
